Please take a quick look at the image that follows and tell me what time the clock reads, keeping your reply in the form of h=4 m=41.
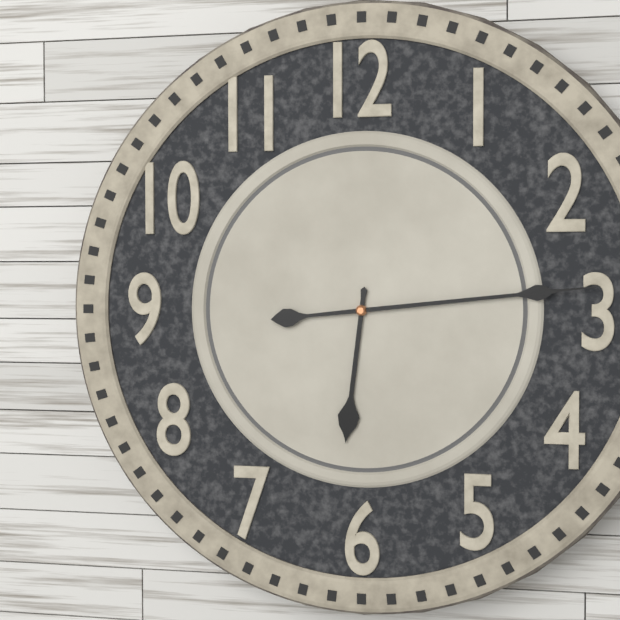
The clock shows h=6 m=14
